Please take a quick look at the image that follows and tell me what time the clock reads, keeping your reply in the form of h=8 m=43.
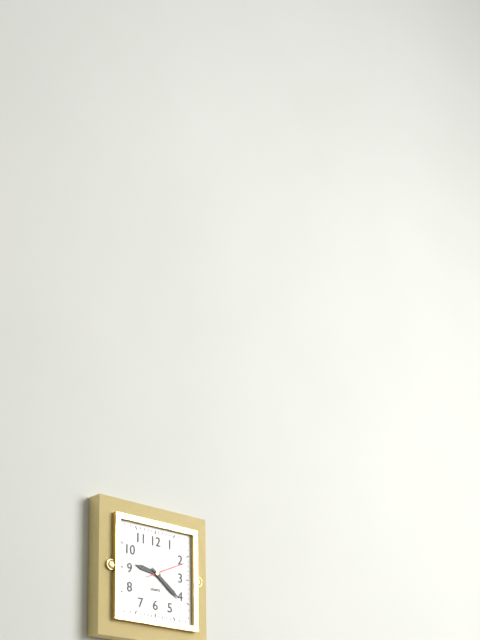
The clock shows h=9 m=21
